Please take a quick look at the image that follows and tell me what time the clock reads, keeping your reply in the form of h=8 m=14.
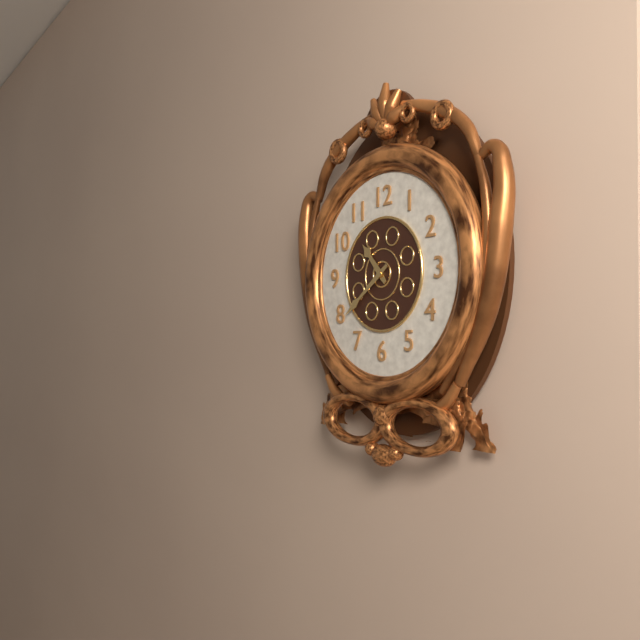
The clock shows h=10 m=39
